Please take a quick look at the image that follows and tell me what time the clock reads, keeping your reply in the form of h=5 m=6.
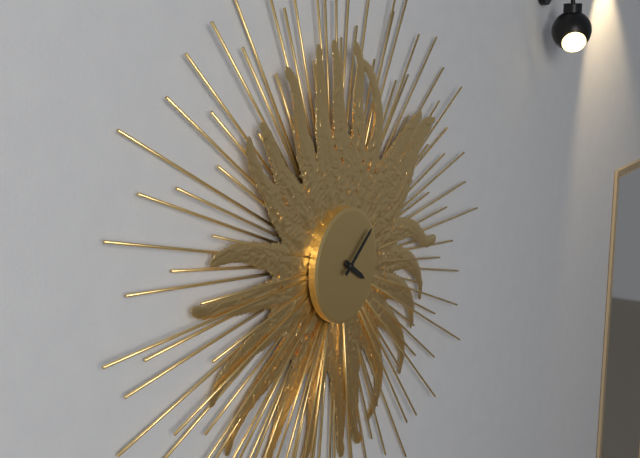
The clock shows h=4 m=9
